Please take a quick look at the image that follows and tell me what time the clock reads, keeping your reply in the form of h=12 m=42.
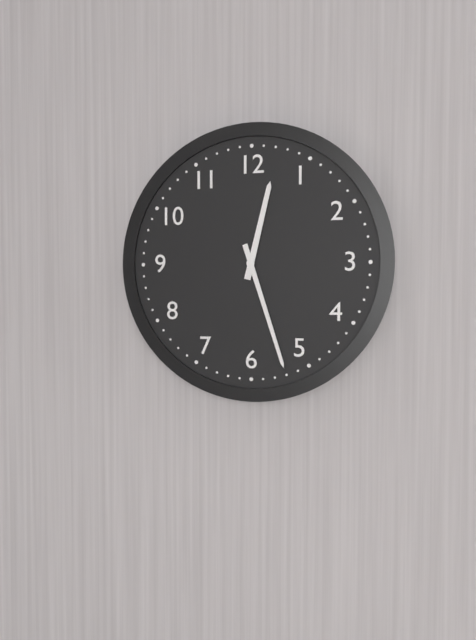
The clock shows h=12 m=27
